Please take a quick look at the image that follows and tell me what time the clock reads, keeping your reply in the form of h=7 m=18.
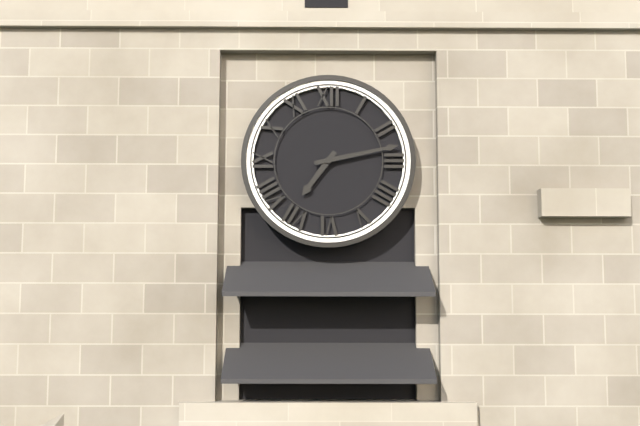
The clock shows h=7 m=13
